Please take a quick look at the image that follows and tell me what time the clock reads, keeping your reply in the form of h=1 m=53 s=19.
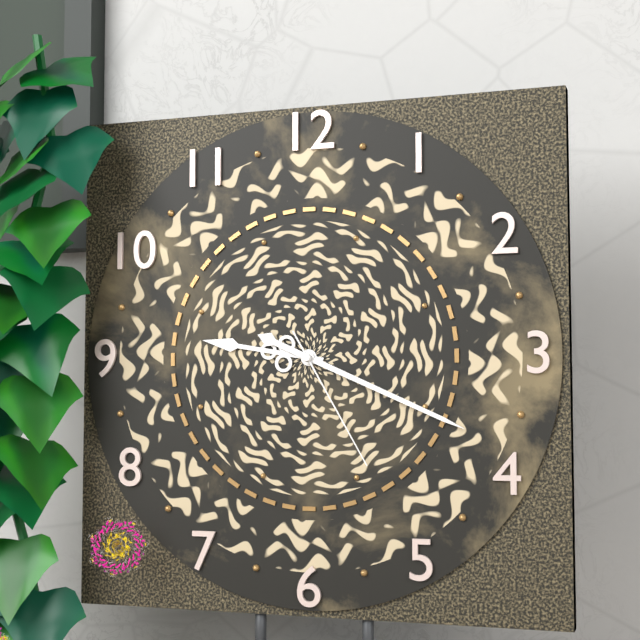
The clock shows h=9 m=19 s=25
